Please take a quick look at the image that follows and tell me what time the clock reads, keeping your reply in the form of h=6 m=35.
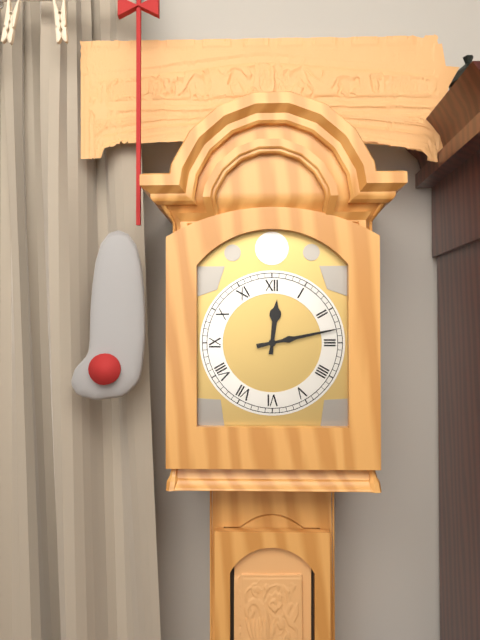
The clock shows h=12 m=13
